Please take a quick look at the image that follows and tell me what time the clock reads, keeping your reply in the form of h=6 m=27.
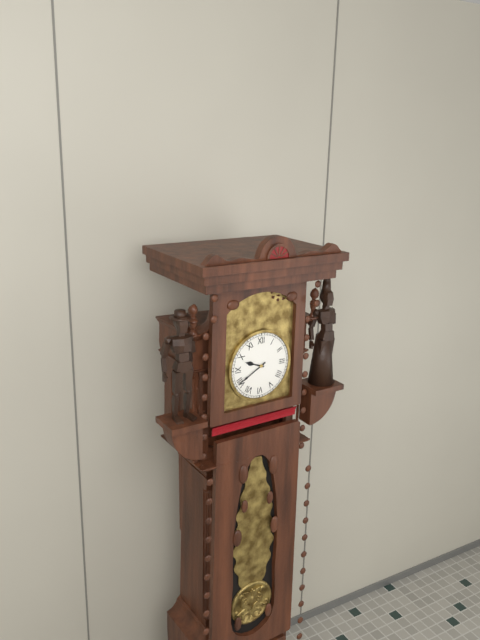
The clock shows h=9 m=40
